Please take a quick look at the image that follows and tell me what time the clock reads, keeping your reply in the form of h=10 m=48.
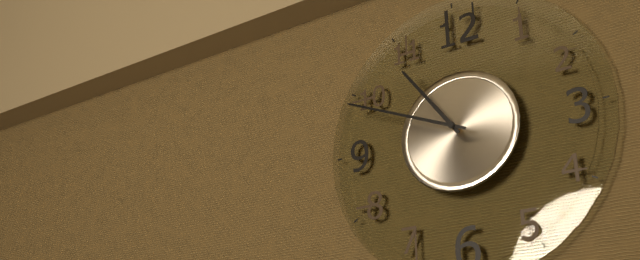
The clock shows h=10 m=49
